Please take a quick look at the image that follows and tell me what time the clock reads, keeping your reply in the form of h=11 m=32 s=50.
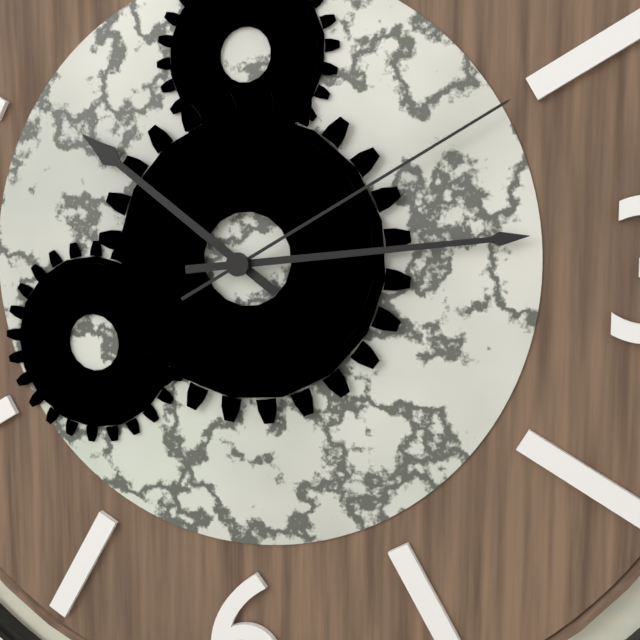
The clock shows h=10 m=14 s=10
